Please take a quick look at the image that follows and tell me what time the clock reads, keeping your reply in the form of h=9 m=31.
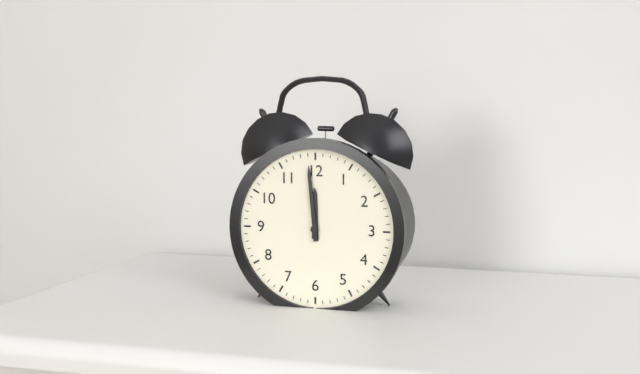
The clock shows h=11 m=59
